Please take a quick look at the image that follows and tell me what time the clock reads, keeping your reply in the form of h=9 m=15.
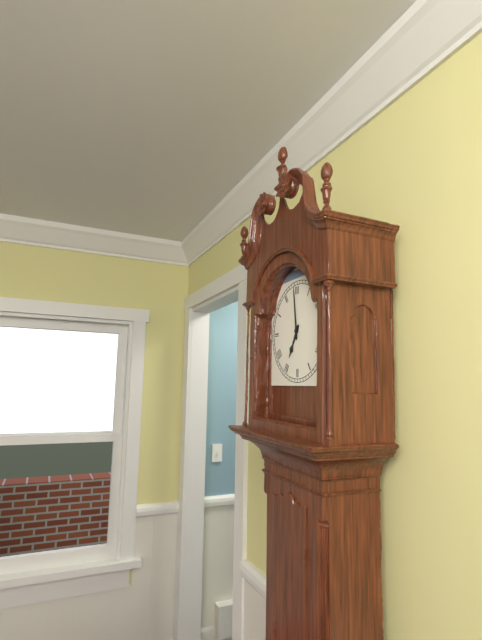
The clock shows h=6 m=59
